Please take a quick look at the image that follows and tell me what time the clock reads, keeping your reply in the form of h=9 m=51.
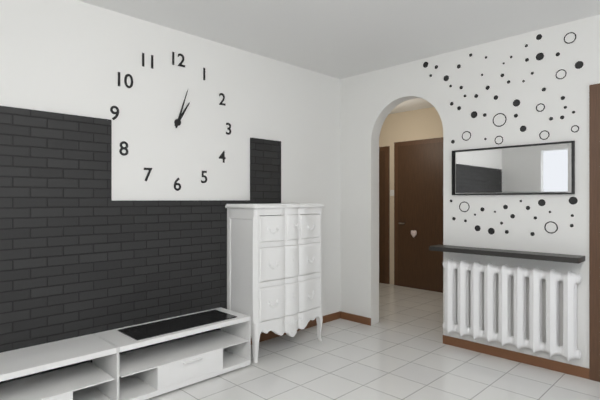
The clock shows h=1 m=3
